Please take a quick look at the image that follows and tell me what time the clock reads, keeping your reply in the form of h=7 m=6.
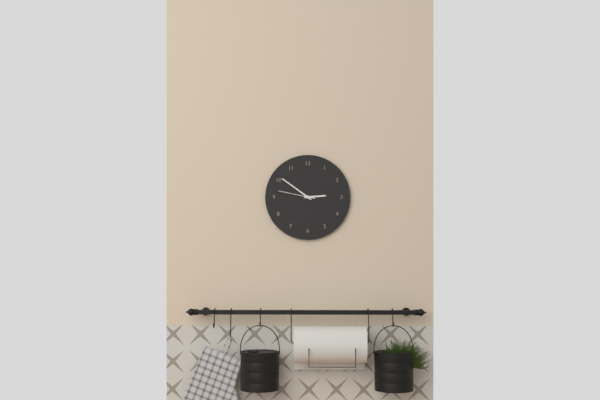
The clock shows h=2 m=51
